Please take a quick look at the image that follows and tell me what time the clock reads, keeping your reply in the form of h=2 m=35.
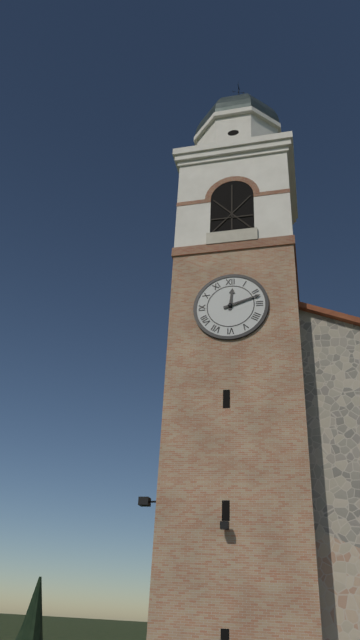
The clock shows h=12 m=12
